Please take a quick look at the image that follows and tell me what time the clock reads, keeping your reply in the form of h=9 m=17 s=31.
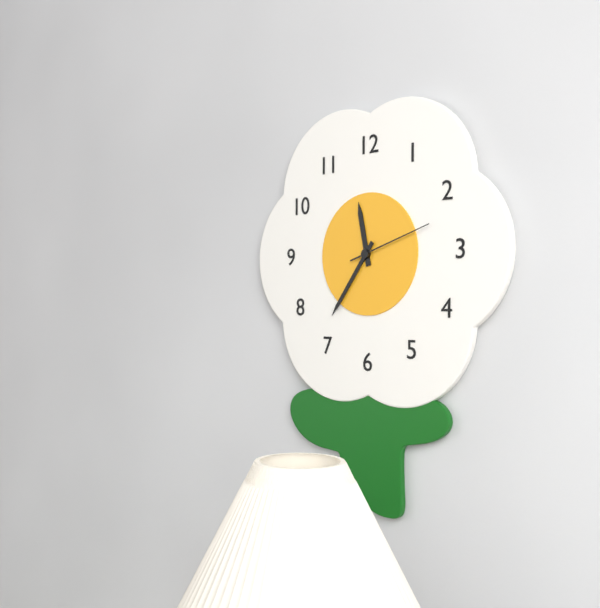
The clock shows h=11 m=36 s=12
